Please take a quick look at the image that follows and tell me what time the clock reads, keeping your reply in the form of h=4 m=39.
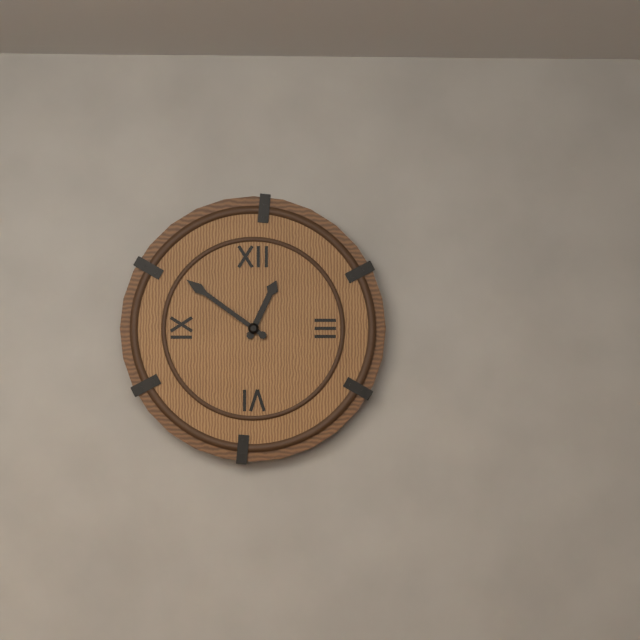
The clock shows h=12 m=51
